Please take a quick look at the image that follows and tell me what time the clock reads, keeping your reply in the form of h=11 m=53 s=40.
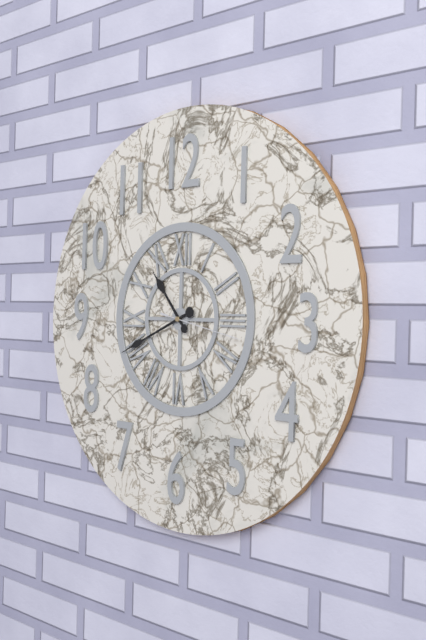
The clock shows h=10 m=41 s=17
